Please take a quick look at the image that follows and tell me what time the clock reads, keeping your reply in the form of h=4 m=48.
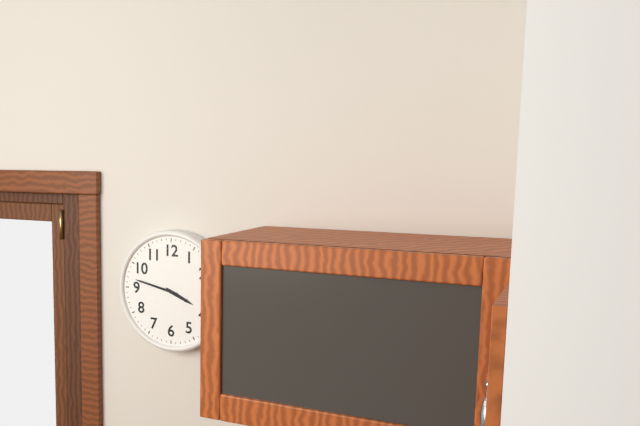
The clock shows h=3 m=47
